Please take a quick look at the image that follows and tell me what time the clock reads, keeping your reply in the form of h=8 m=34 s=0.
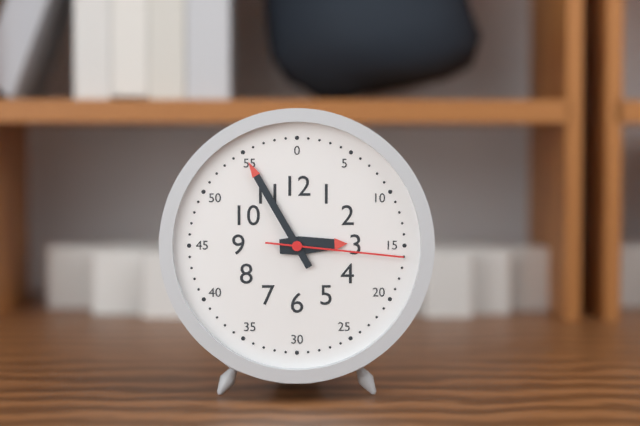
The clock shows h=2 m=55 s=16
